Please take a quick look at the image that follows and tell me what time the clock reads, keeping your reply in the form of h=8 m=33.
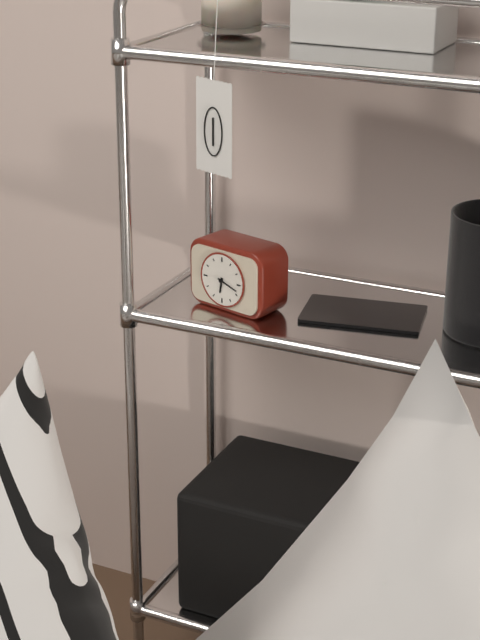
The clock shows h=6 m=18
